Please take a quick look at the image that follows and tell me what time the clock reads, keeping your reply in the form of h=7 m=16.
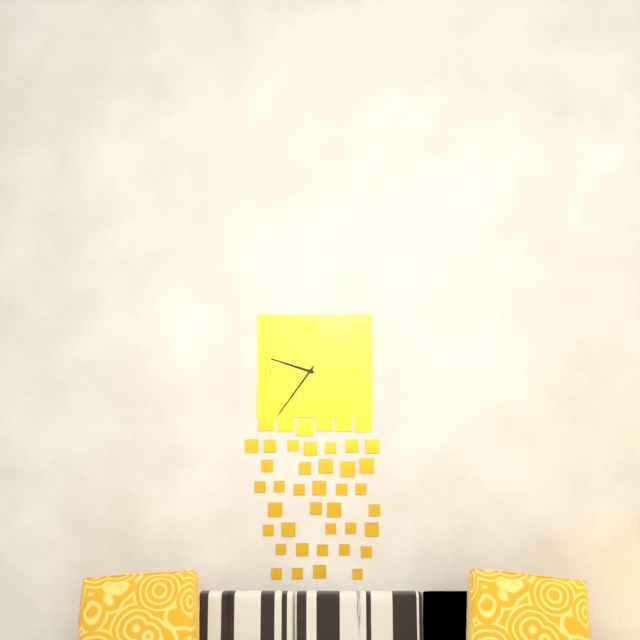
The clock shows h=9 m=36
